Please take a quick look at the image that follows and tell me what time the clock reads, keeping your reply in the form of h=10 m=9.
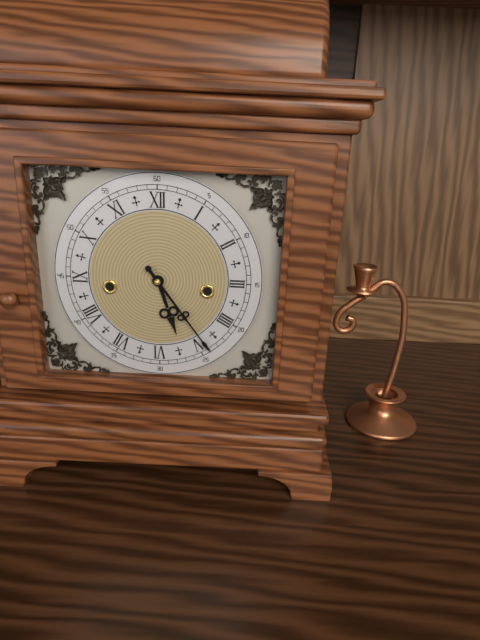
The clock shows h=5 m=24
